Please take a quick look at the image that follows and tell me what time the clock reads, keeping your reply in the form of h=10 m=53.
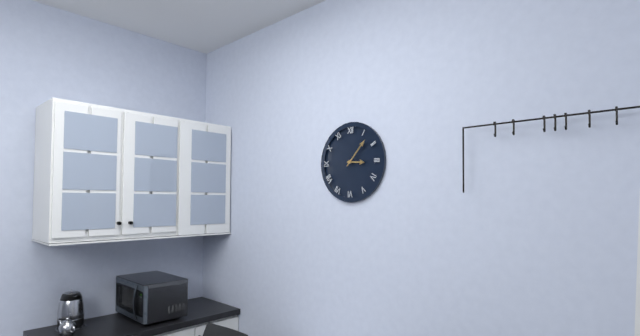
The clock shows h=3 m=7
